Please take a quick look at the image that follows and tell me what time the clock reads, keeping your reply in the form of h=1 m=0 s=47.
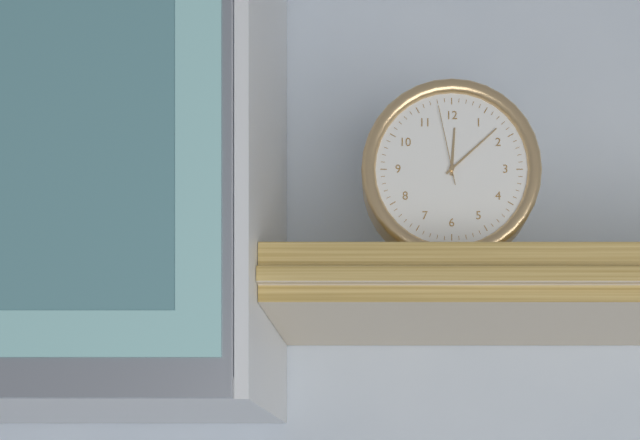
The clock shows h=12 m=8 s=58
